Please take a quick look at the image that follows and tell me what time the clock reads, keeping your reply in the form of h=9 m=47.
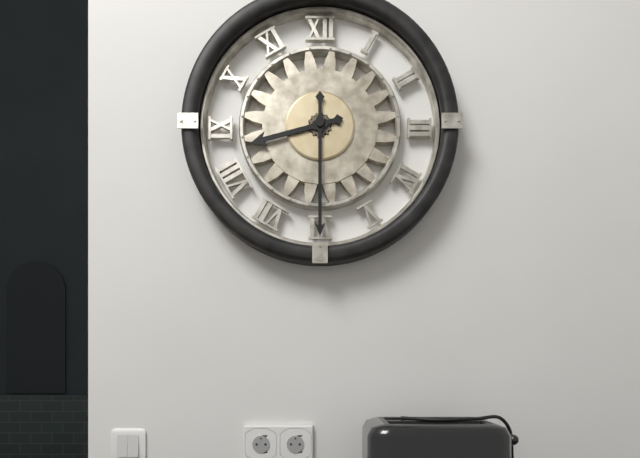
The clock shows h=8 m=30
